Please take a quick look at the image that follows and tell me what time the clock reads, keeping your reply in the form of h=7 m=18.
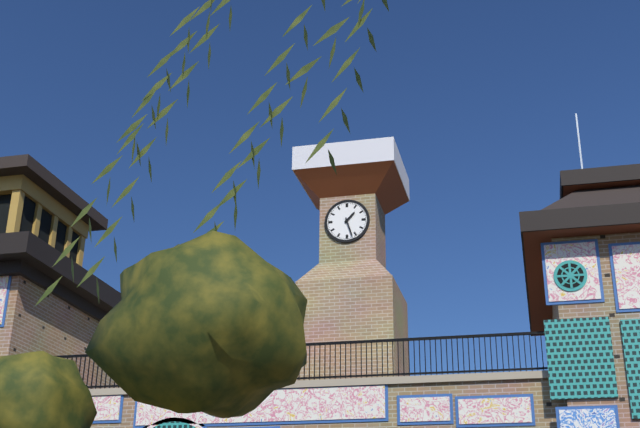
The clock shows h=1 m=27
